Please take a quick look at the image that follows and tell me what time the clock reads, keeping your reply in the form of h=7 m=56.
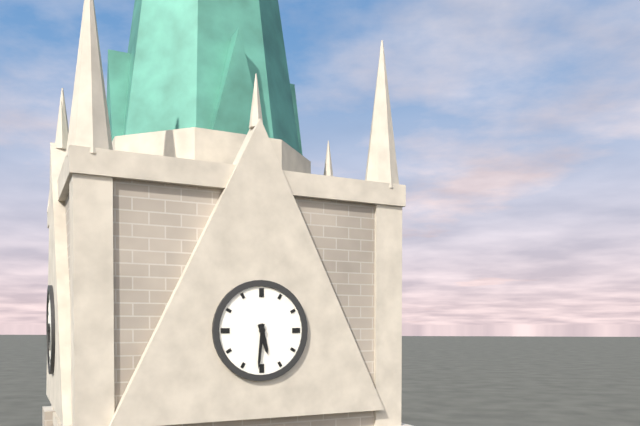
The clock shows h=5 m=31
